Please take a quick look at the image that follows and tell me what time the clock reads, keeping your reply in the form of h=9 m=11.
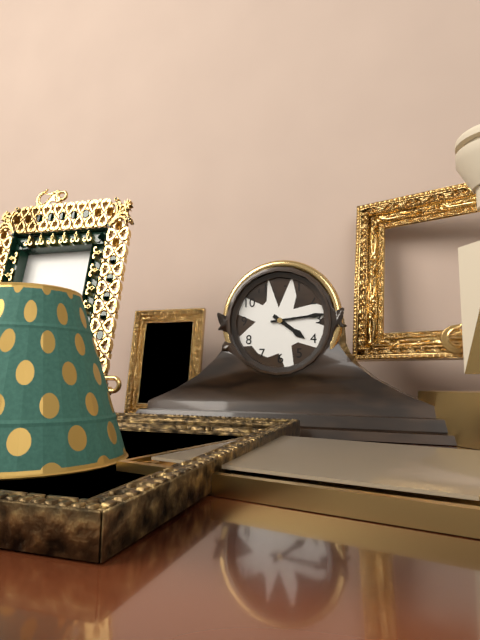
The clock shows h=4 m=14
